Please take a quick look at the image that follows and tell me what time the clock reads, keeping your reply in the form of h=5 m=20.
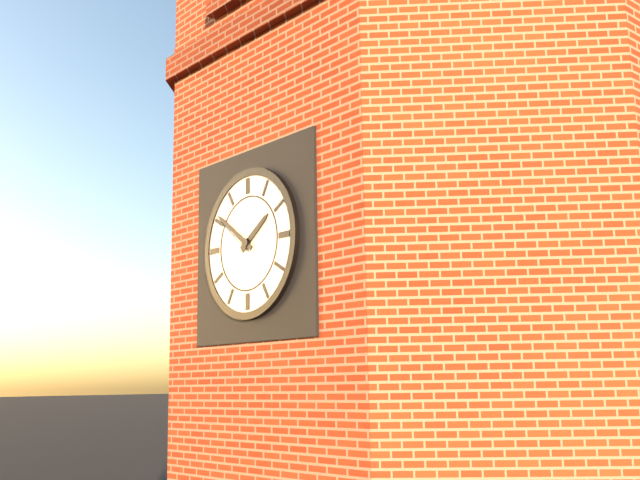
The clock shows h=1 m=51
